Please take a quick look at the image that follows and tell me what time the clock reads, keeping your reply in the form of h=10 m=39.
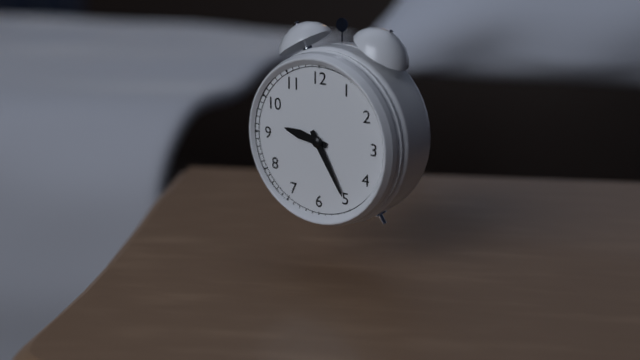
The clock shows h=9 m=25
